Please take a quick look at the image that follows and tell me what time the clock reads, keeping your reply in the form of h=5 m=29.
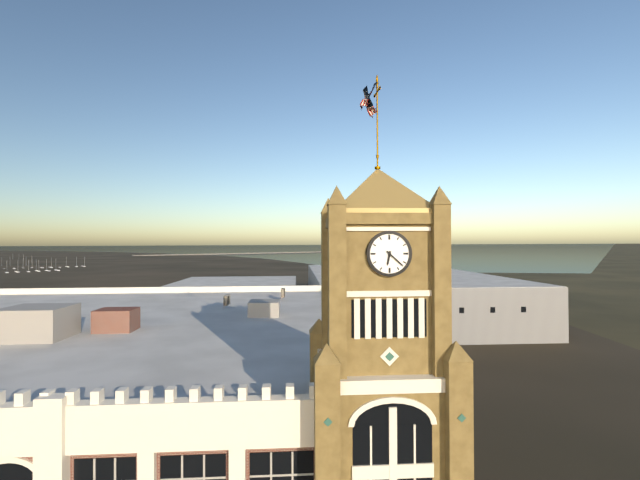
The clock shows h=6 m=22
